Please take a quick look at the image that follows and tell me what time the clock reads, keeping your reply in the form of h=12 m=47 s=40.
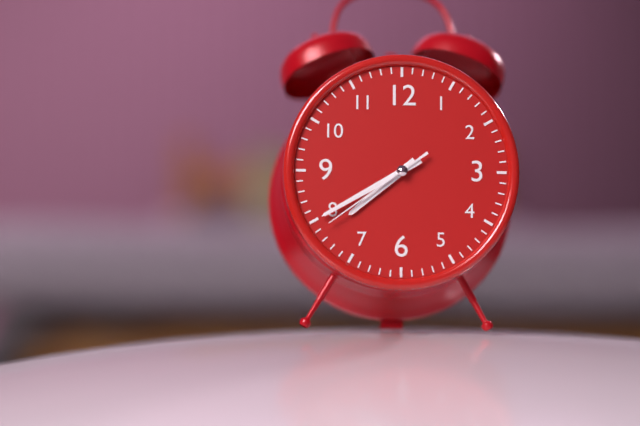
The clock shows h=7 m=40 s=39
